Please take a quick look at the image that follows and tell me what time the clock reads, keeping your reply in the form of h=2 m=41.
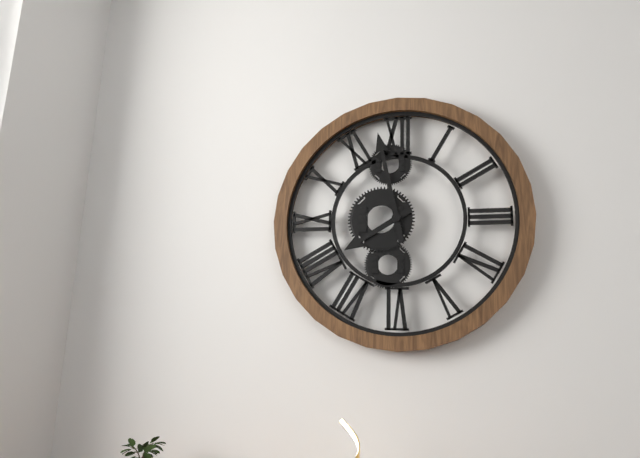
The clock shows h=7 m=58
